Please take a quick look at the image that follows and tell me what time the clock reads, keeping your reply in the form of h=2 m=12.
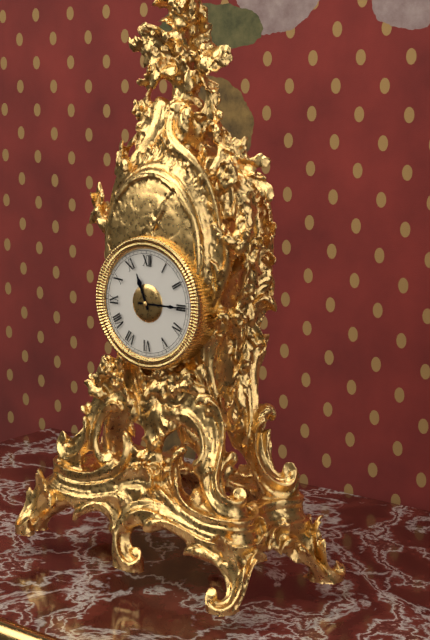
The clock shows h=11 m=15
